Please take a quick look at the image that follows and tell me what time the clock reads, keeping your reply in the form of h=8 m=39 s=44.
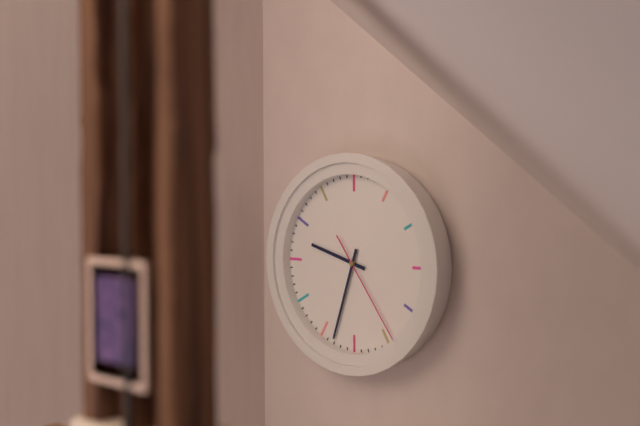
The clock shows h=9 m=33 s=24
